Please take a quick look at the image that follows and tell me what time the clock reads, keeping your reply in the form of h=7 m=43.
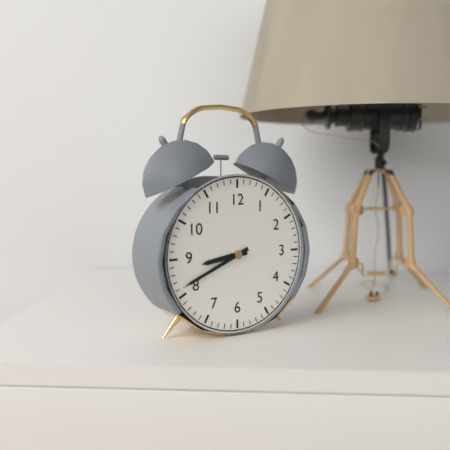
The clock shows h=8 m=41
